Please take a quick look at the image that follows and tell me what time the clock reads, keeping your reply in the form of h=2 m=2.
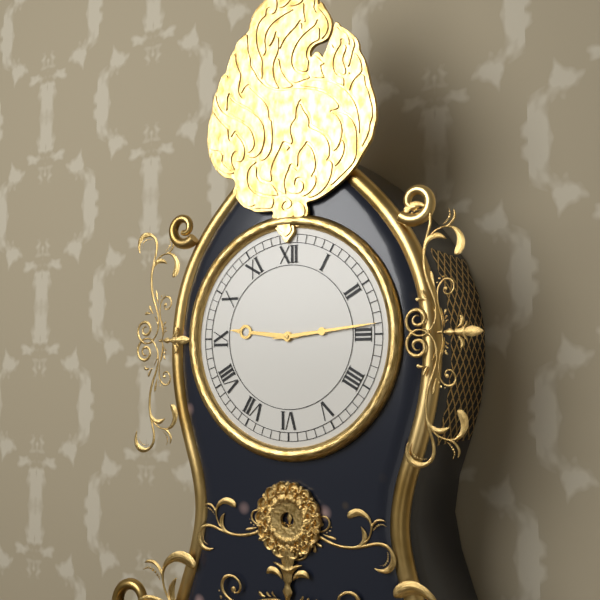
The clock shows h=9 m=14
